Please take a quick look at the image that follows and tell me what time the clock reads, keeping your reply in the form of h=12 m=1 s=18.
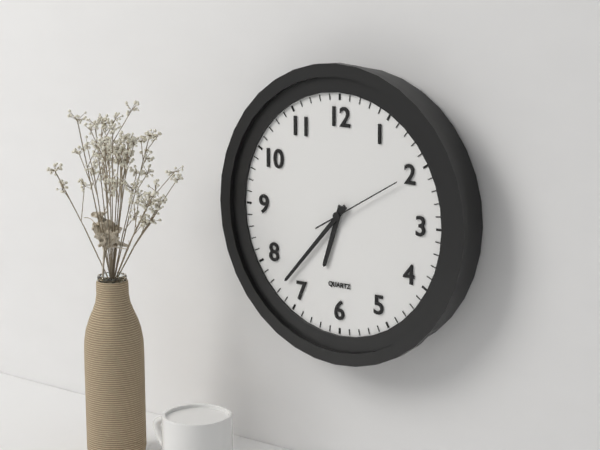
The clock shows h=6 m=37 s=10
